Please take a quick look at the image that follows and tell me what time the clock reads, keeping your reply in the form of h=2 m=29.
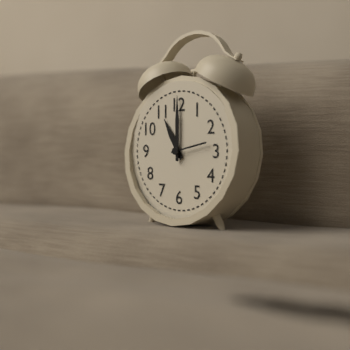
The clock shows h=11 m=0
